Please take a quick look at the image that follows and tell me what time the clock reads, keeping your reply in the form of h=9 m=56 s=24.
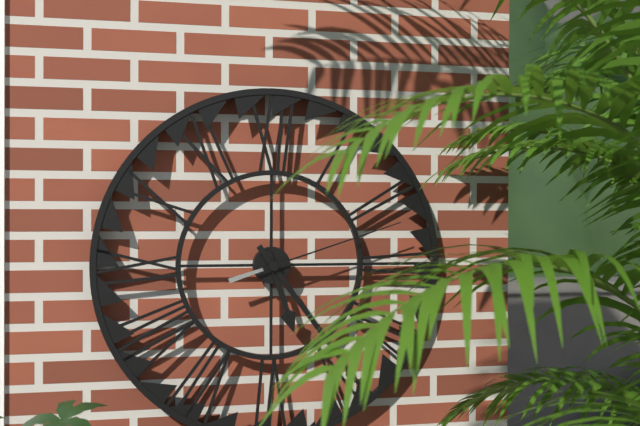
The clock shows h=5 m=24 s=12
